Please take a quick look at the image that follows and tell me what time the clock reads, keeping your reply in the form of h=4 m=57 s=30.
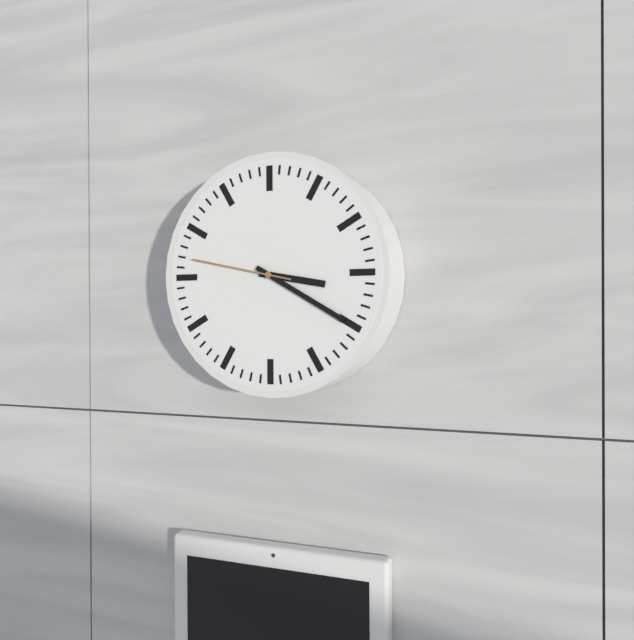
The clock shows h=3 m=20 s=47
